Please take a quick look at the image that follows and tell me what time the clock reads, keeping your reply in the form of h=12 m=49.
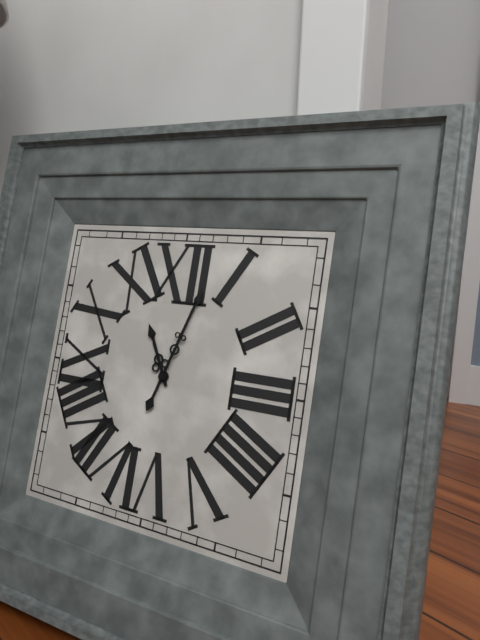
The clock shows h=11 m=3
